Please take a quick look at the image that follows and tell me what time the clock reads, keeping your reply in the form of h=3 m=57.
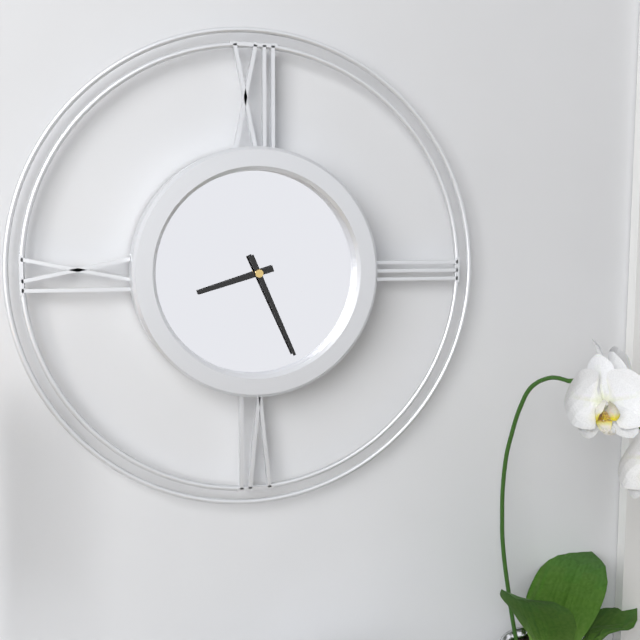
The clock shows h=8 m=26
